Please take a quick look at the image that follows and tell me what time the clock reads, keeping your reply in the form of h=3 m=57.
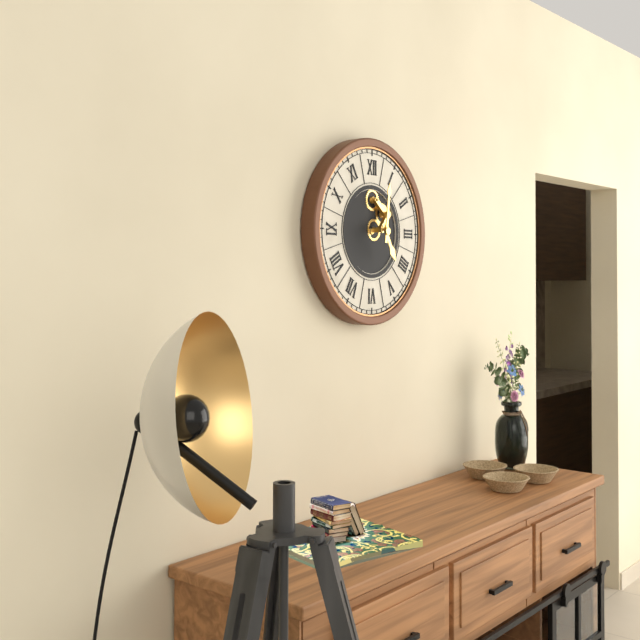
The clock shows h=5 m=1
